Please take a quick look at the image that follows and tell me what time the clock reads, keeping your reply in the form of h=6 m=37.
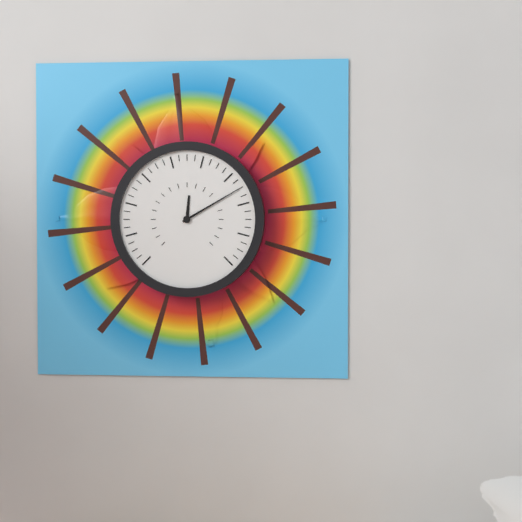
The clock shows h=12 m=10
